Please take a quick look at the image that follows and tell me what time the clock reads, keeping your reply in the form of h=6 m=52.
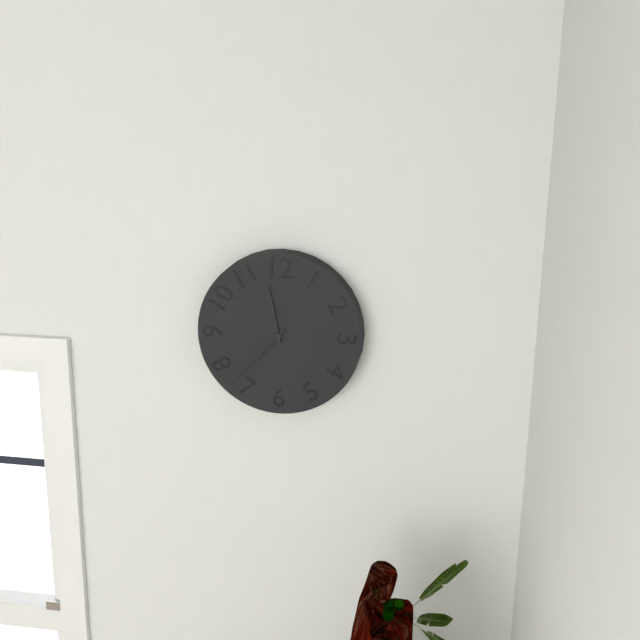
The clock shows h=11 m=37
